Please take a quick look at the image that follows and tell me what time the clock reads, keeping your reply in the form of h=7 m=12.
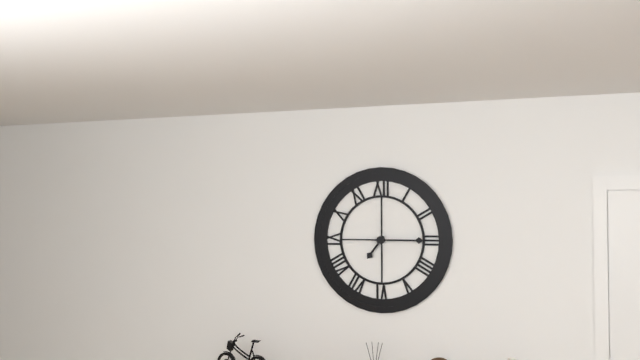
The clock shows h=7 m=15
